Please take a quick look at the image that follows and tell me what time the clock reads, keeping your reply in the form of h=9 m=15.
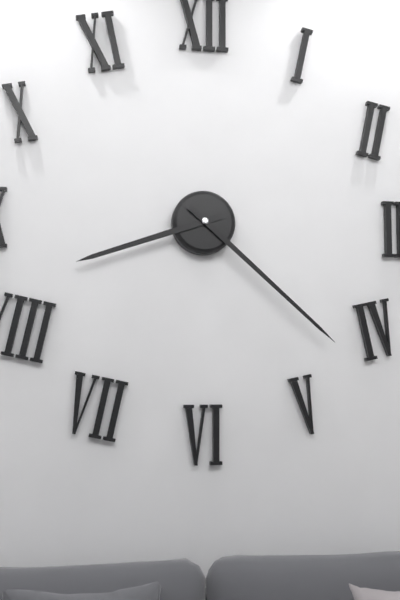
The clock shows h=8 m=22
